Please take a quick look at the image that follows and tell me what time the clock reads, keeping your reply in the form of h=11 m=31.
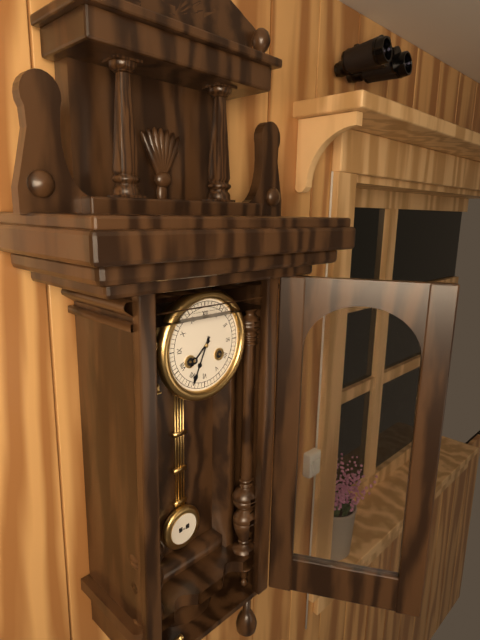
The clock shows h=7 m=34
